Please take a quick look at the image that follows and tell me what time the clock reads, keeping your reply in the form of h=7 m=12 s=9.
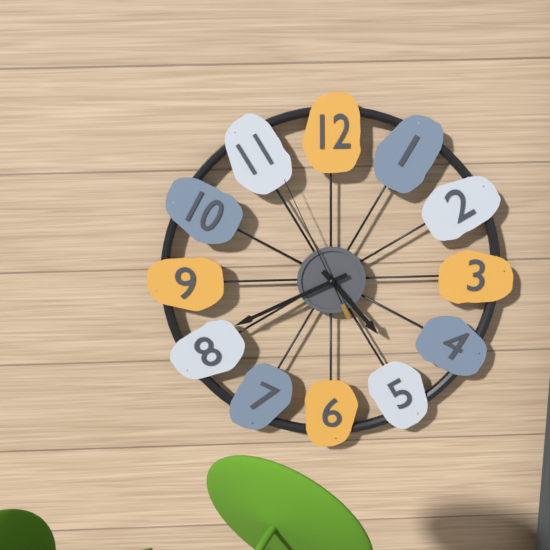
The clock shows h=4 m=41 s=56
